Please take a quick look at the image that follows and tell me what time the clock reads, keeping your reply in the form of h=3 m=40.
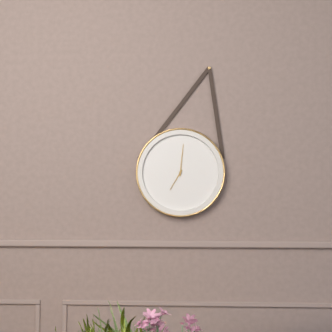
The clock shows h=7 m=1
